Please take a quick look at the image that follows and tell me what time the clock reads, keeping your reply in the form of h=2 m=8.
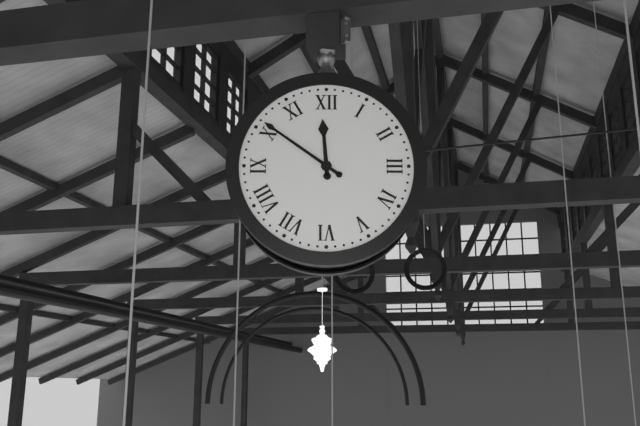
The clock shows h=11 m=51
